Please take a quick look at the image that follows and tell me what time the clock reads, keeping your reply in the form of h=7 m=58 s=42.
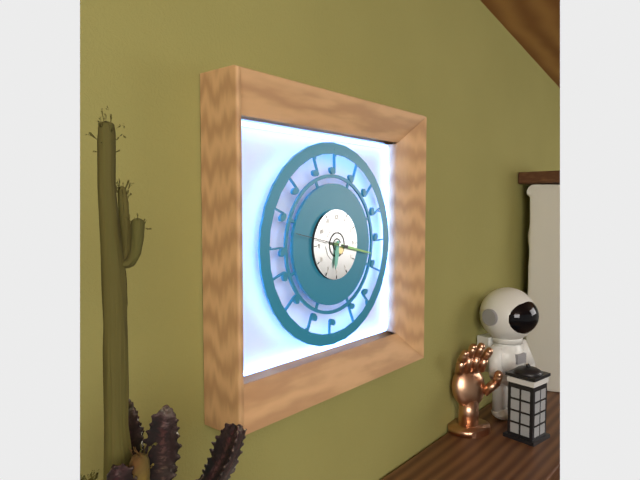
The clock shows h=6 m=17 s=47
